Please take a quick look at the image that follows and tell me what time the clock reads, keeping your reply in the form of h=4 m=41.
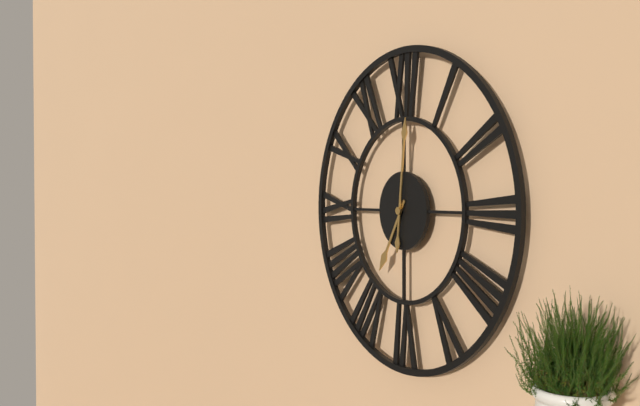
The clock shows h=7 m=1
